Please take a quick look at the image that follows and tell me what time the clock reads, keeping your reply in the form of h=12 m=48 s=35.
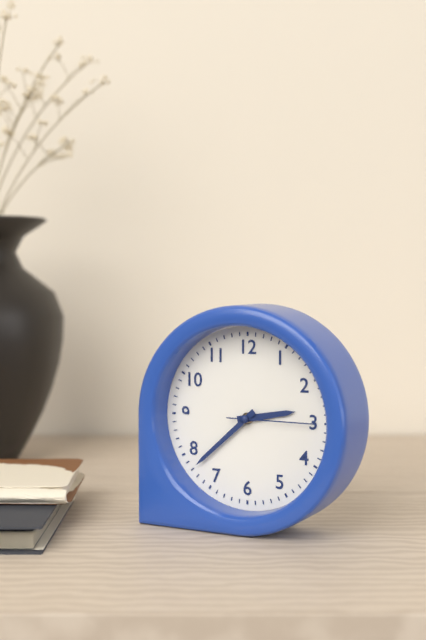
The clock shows h=2 m=38 s=15
